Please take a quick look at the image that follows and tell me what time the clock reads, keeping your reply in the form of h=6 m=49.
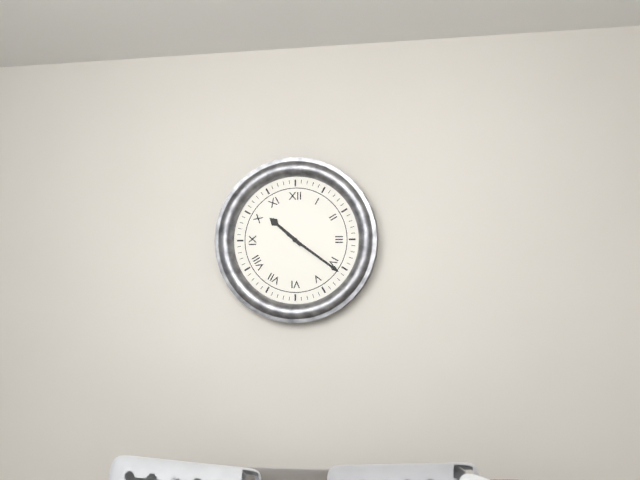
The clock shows h=10 m=21
